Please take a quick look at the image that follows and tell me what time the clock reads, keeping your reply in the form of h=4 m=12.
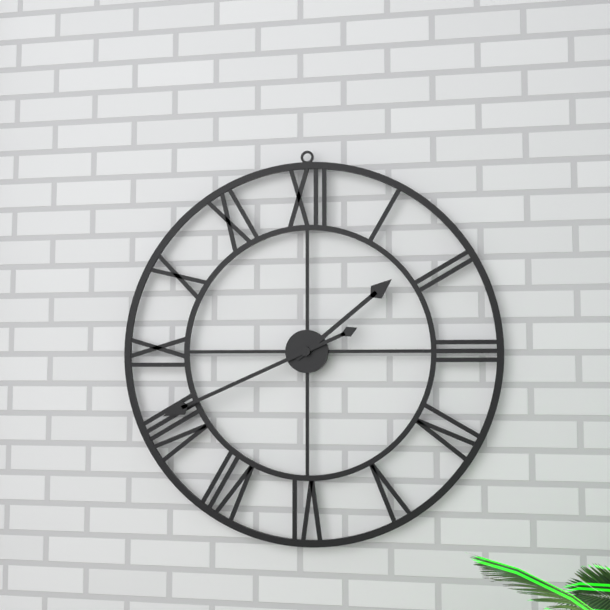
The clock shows h=1 m=41
